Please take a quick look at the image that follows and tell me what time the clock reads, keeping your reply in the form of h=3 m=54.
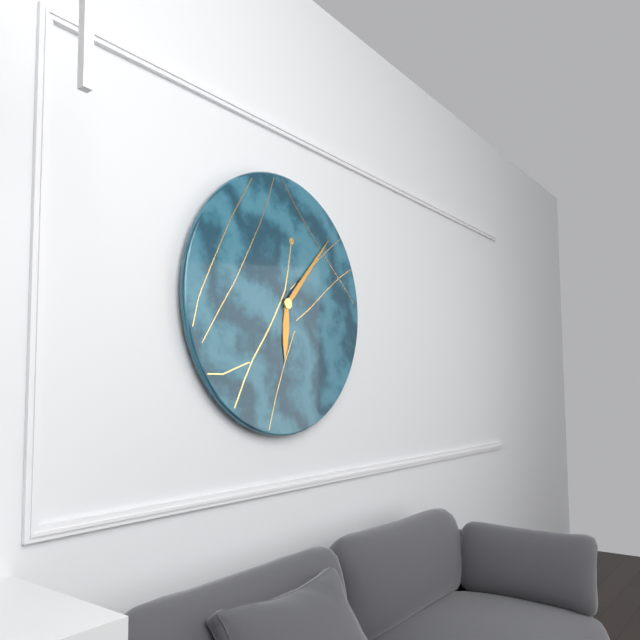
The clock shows h=6 m=7
